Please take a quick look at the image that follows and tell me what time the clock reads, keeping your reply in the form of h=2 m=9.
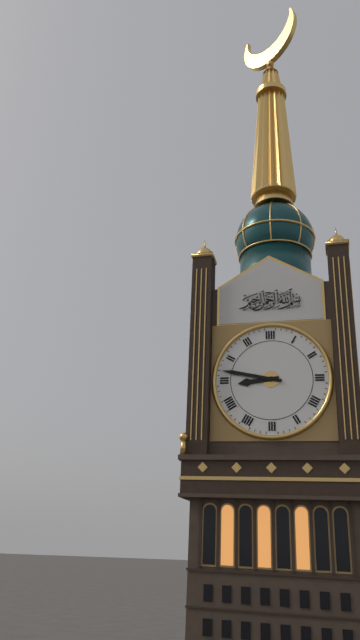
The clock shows h=8 m=47
